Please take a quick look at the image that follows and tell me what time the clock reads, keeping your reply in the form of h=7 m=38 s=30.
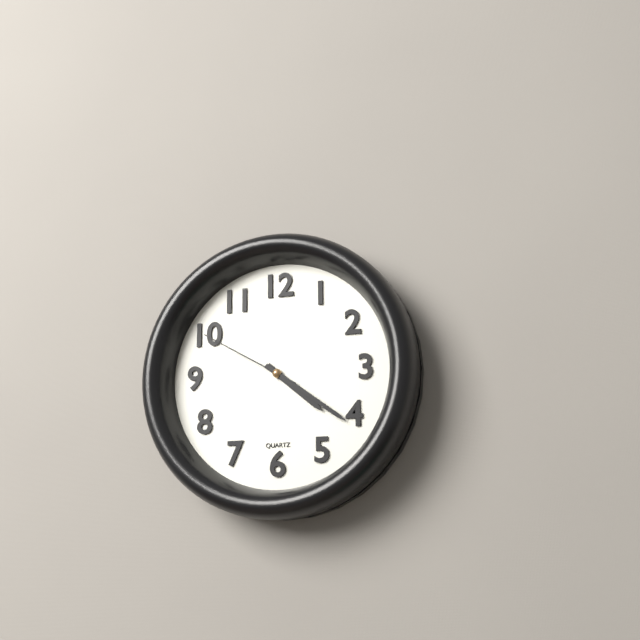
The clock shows h=4 m=21 s=50
